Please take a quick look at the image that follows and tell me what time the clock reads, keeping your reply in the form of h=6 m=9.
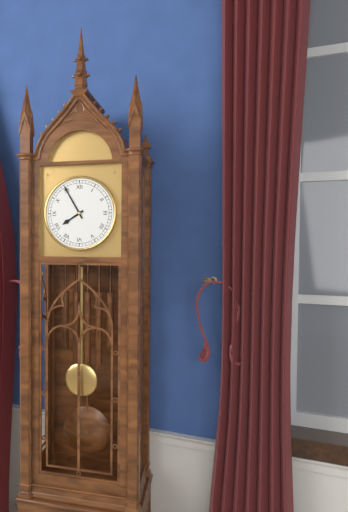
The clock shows h=7 m=55
